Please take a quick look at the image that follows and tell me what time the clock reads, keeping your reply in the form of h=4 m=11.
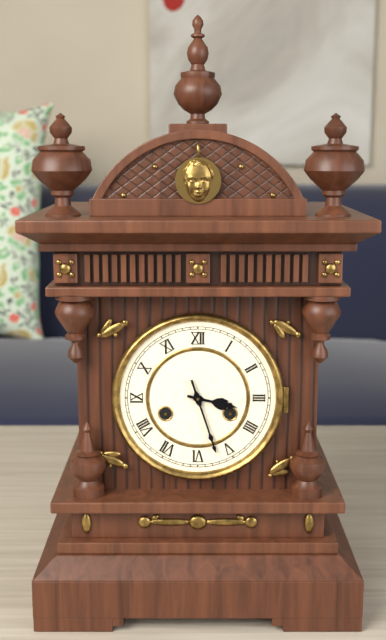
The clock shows h=3 m=27
